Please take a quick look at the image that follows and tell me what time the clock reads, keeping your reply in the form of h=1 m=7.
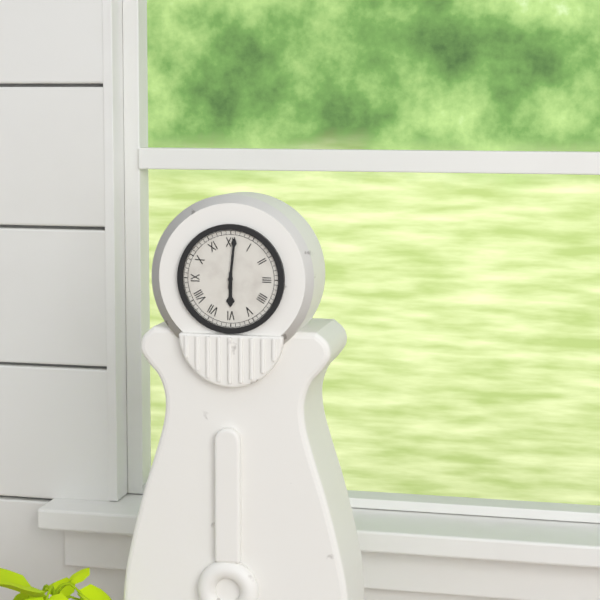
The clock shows h=6 m=1
